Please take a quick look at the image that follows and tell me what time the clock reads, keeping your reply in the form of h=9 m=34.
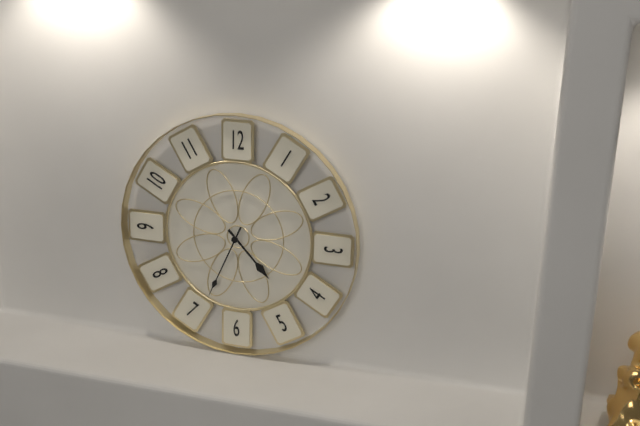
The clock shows h=4 m=34
